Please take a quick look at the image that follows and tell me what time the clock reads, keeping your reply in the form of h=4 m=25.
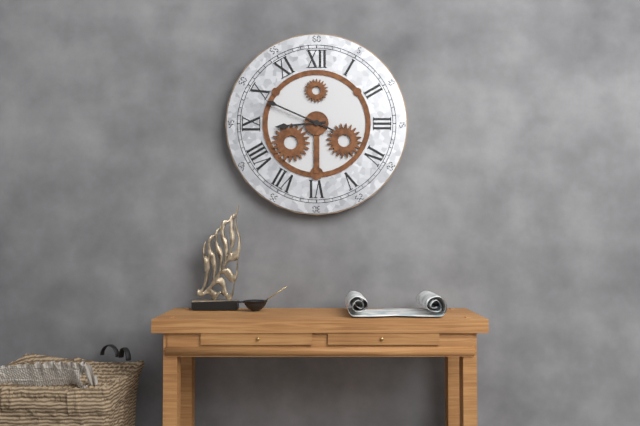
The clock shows h=8 m=49
